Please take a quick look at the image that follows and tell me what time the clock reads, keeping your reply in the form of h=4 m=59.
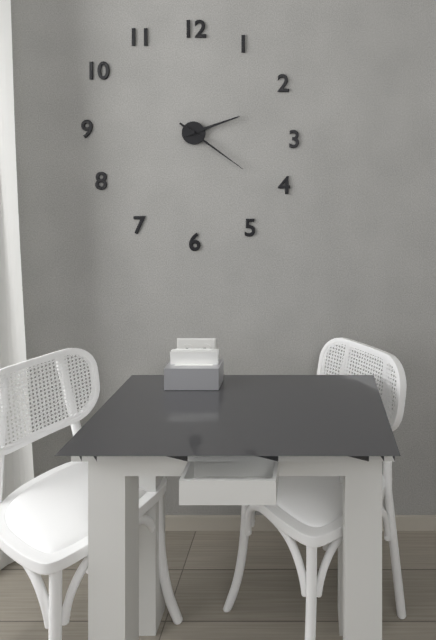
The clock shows h=2 m=21
